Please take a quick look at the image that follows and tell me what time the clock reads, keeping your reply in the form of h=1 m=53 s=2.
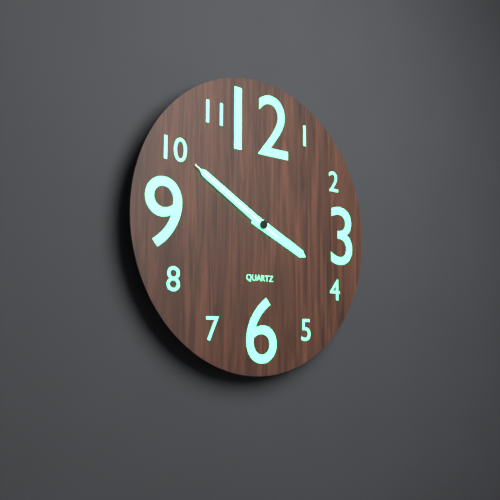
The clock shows h=3 m=50 s=50
